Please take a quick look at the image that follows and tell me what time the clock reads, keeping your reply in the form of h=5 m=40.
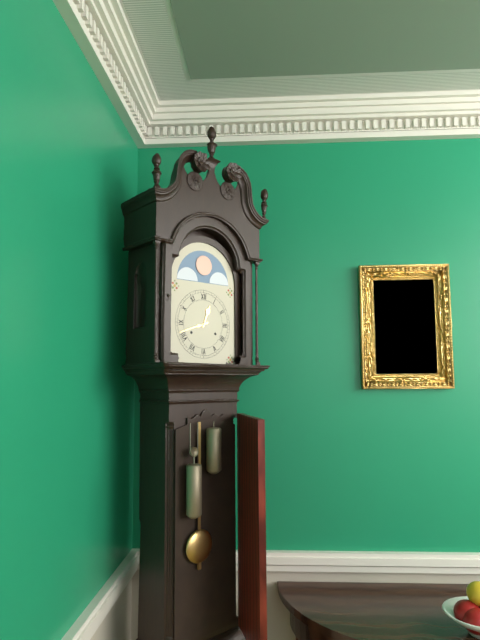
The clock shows h=12 m=42
